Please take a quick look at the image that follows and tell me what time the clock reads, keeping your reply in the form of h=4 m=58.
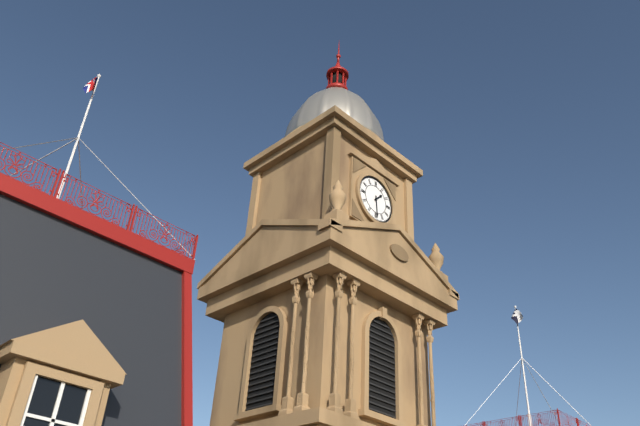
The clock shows h=1 m=29
